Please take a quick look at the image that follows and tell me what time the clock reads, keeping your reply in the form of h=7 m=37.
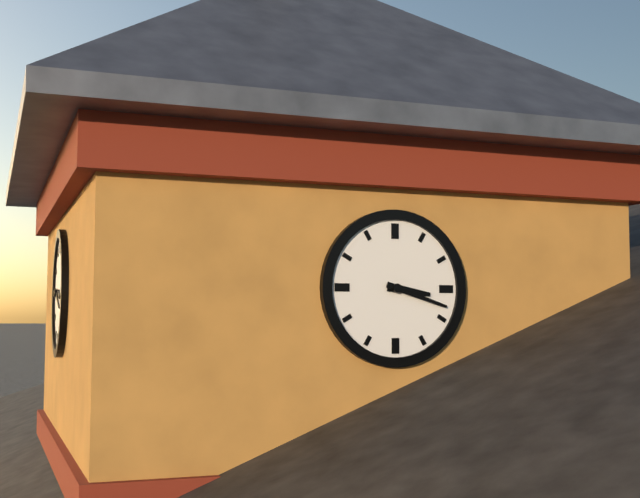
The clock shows h=3 m=18
